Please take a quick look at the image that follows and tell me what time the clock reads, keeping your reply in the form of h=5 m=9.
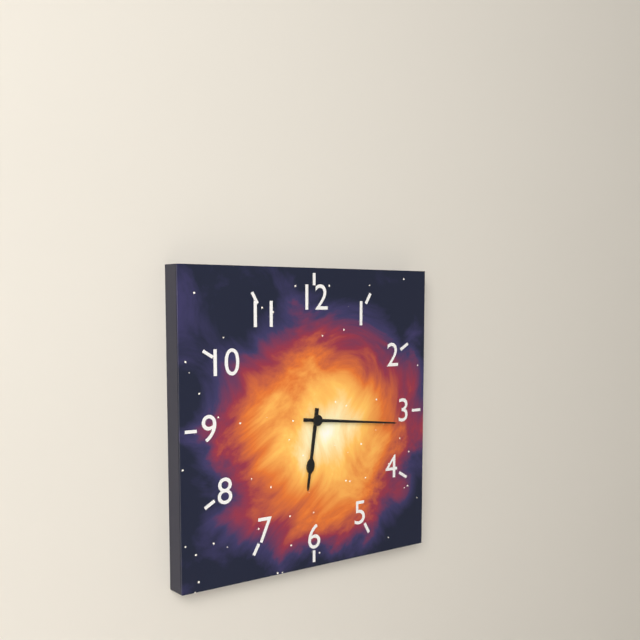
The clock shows h=6 m=16
